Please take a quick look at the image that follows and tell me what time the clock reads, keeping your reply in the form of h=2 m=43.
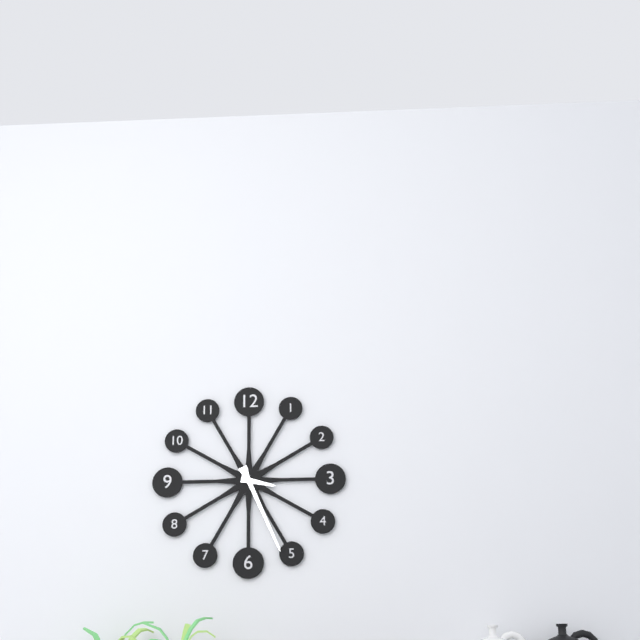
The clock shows h=3 m=26
